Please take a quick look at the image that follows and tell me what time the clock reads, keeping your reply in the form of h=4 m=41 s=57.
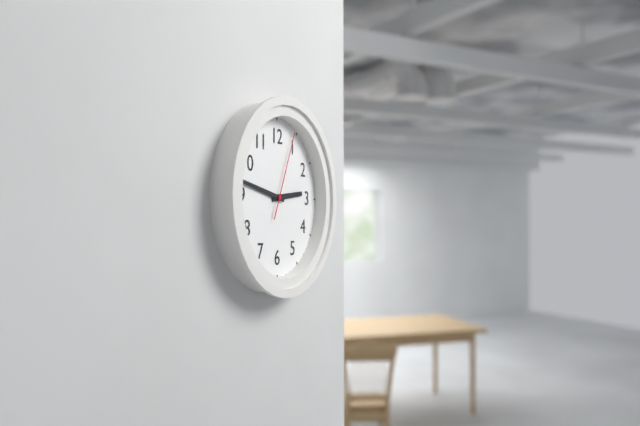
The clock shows h=2 m=47 s=4
